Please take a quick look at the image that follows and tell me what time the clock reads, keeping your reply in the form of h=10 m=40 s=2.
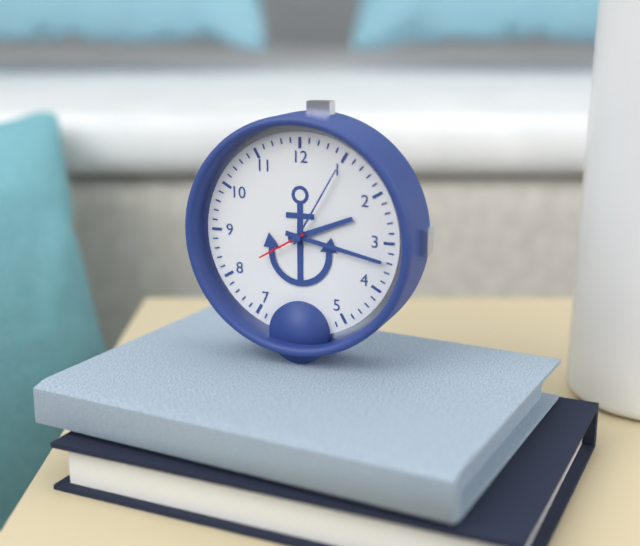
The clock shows h=2 m=17 s=40
